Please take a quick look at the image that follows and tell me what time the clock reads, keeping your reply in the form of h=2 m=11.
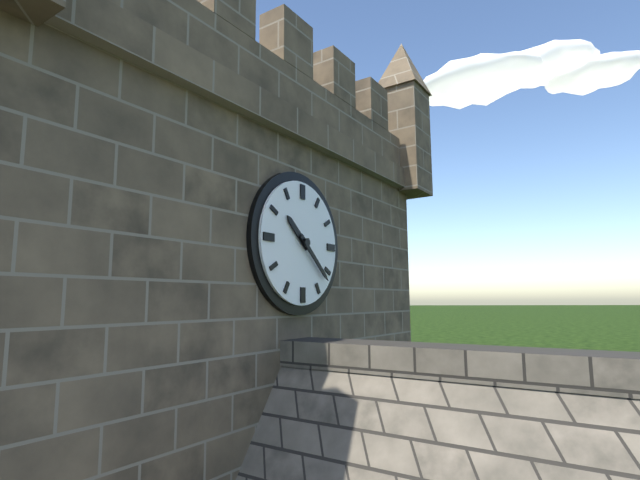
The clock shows h=10 m=22
